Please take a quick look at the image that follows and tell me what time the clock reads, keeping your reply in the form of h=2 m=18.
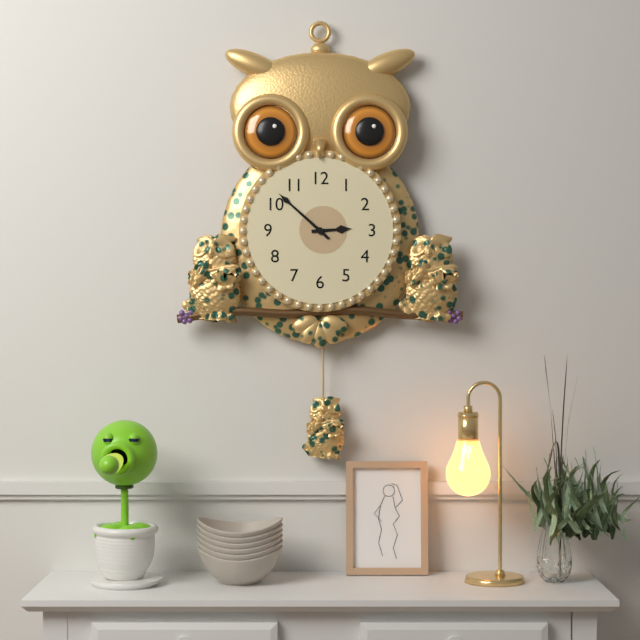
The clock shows h=2 m=52
